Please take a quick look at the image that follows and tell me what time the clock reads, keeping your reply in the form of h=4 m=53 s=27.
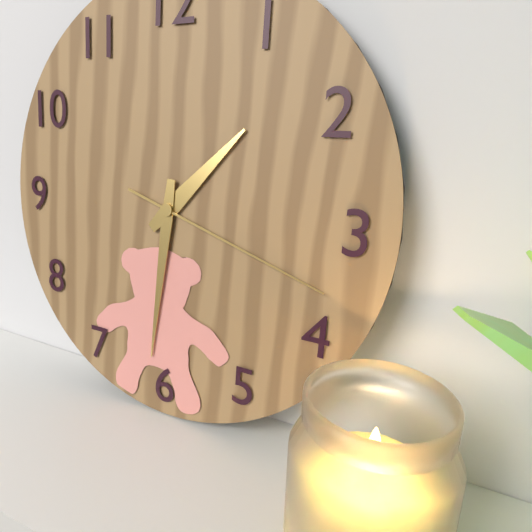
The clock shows h=1 m=31 s=18
